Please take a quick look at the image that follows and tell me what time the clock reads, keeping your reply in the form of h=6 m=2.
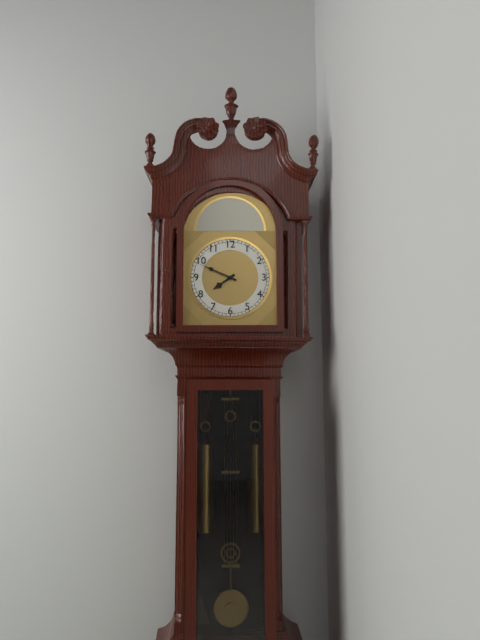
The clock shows h=7 m=49
